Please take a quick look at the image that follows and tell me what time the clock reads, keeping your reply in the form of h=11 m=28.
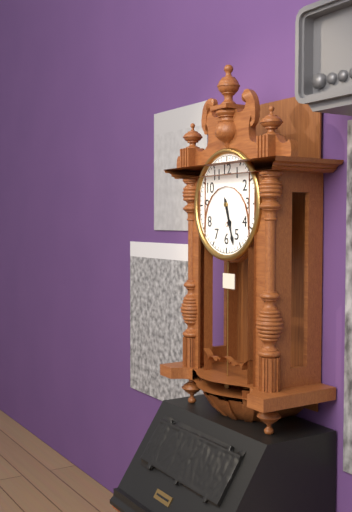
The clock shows h=5 m=27
